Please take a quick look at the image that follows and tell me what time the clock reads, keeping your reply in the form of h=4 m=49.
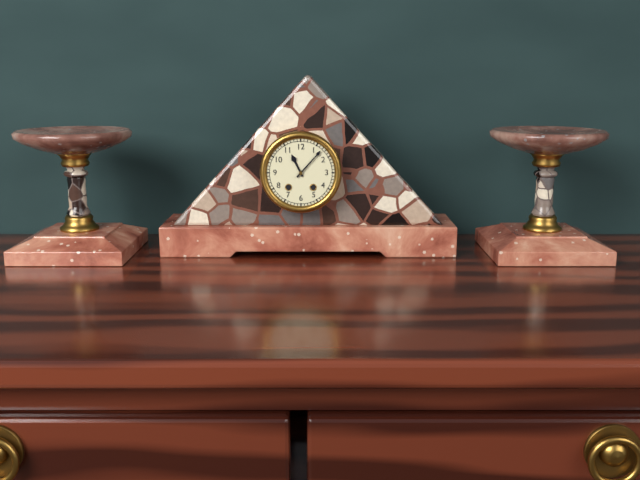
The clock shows h=11 m=7
